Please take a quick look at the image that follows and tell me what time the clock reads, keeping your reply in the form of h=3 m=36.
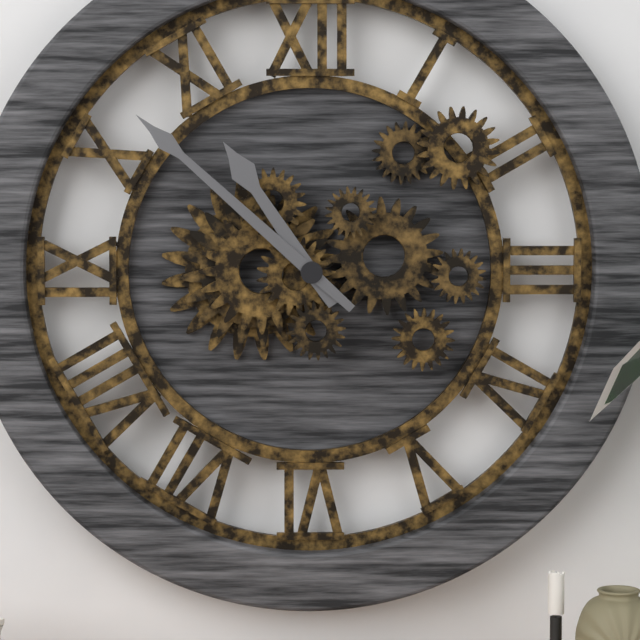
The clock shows h=10 m=52
